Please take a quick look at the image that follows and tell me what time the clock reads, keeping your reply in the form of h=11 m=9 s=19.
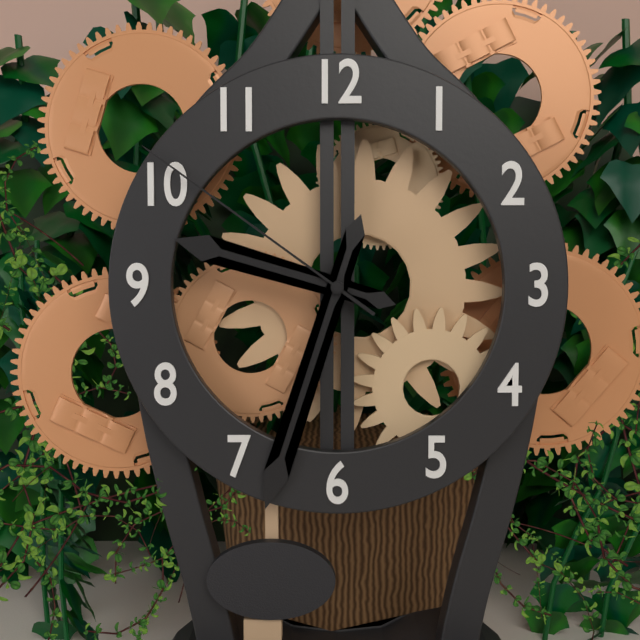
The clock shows h=9 m=33 s=51
